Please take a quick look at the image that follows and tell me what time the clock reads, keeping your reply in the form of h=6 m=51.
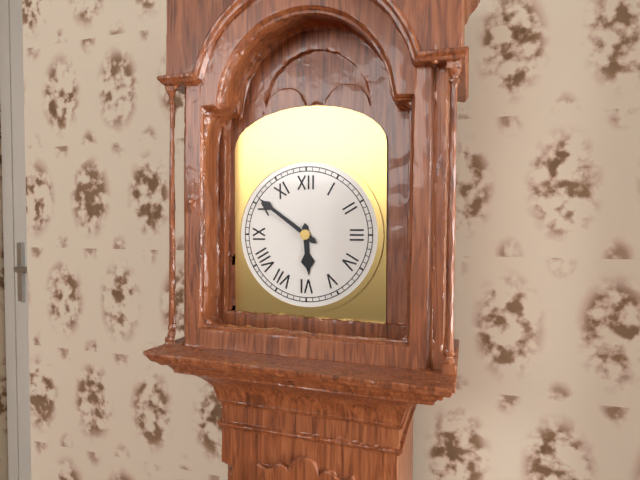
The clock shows h=5 m=51
